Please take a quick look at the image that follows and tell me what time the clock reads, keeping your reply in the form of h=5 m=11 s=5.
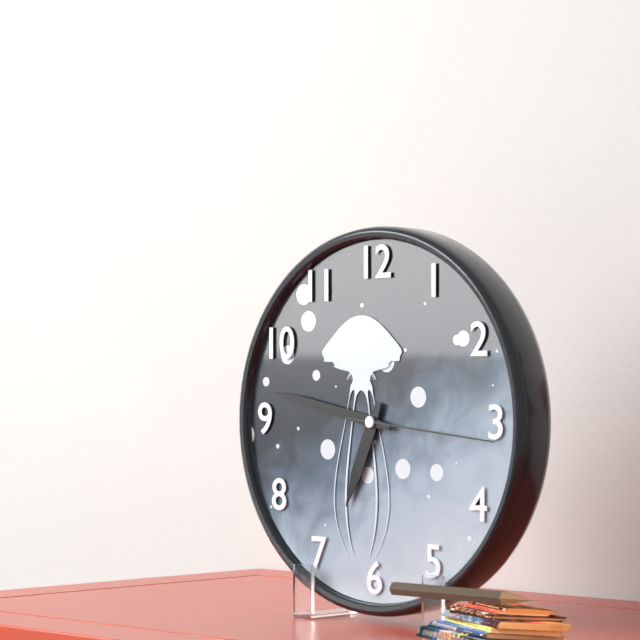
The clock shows h=6 m=47 s=16
